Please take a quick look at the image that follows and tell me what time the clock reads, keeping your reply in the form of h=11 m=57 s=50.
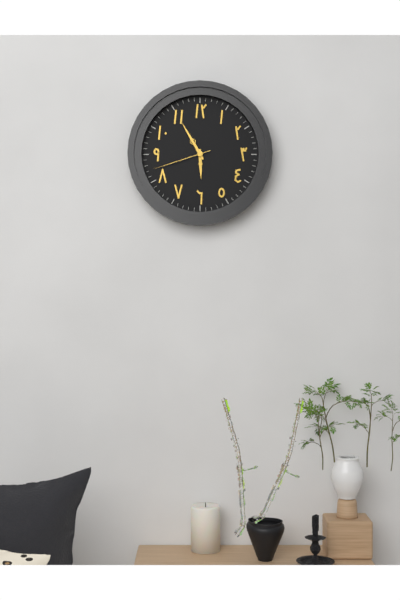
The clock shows h=5 m=55 s=42
